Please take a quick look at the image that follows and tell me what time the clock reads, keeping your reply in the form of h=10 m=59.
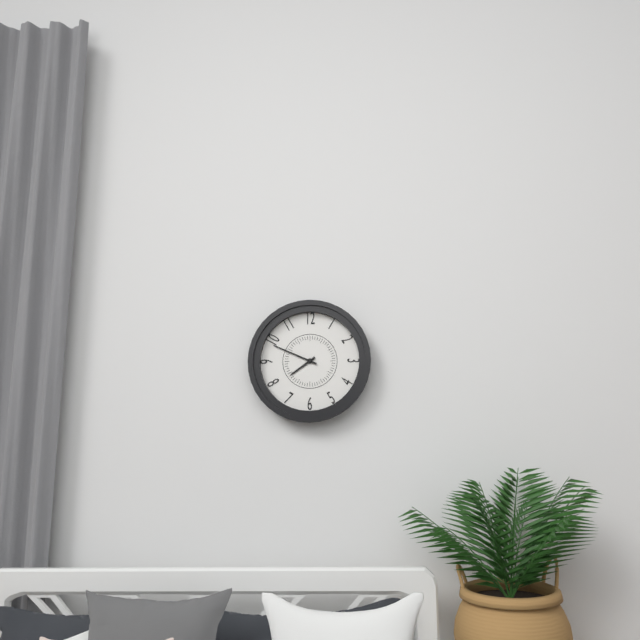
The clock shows h=7 m=49
